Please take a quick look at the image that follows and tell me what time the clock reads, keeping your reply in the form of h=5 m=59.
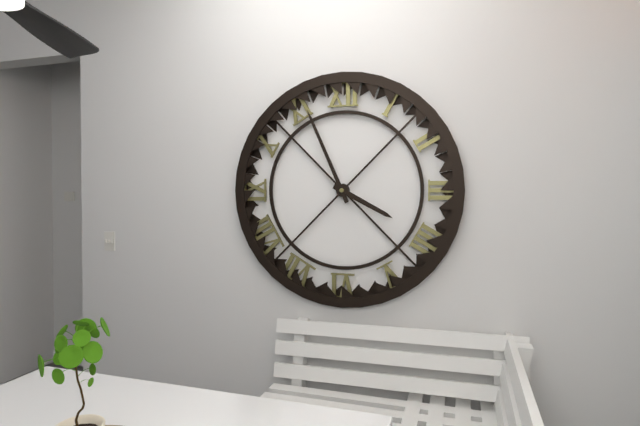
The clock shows h=3 m=56
